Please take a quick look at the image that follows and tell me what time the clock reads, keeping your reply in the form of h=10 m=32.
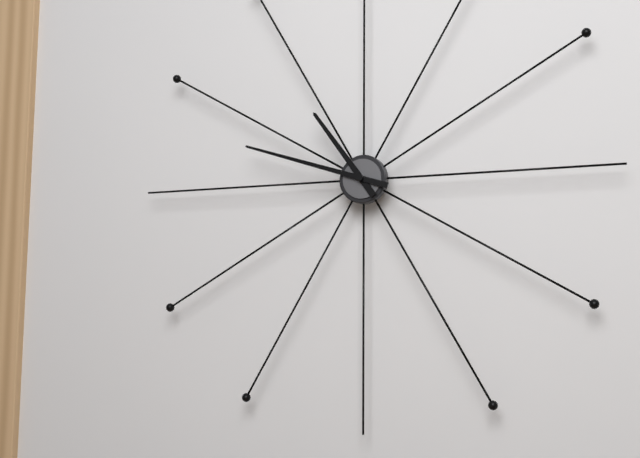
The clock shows h=10 m=48
